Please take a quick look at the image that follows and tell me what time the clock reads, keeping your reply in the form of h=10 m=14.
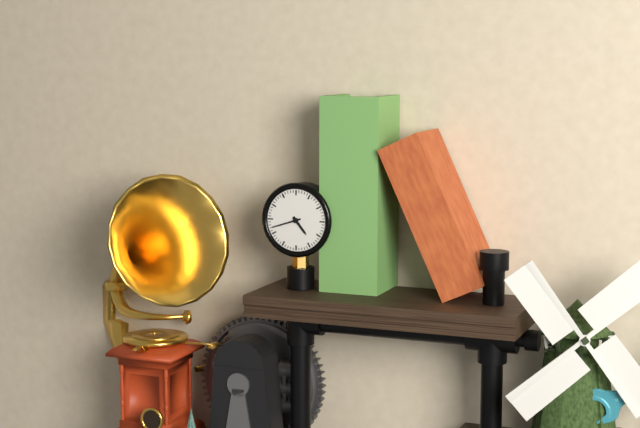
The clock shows h=4 m=42
